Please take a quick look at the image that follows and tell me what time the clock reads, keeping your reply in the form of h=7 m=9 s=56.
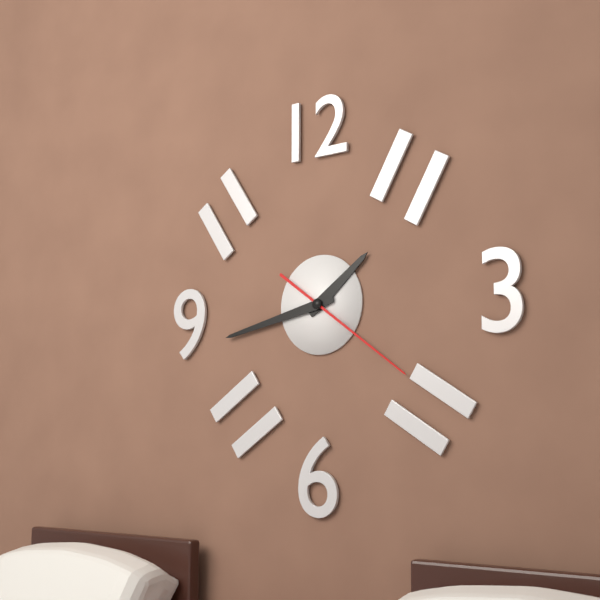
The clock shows h=1 m=43 s=21
